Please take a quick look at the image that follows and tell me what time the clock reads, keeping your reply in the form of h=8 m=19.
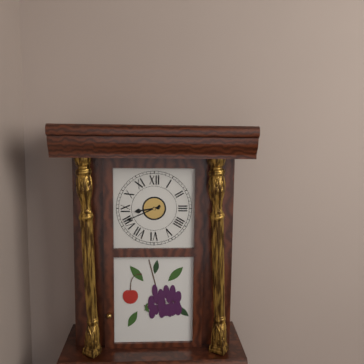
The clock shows h=8 m=41
